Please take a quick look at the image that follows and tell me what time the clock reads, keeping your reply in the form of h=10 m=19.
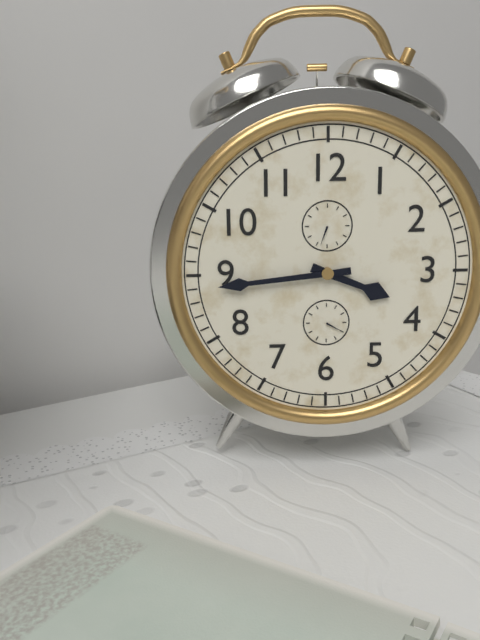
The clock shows h=3 m=44
